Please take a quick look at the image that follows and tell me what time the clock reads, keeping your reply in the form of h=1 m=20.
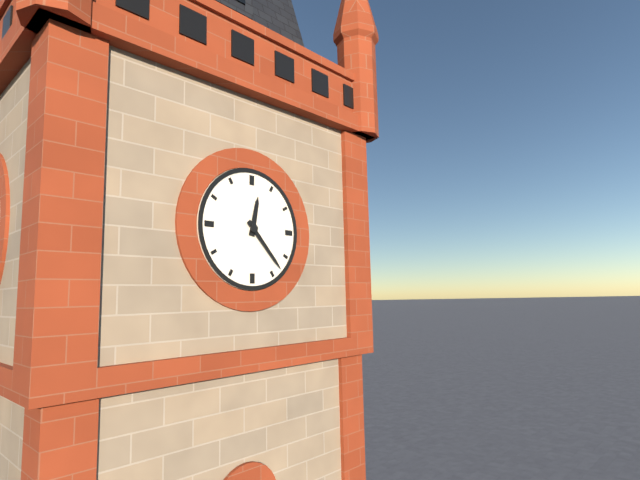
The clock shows h=12 m=23
